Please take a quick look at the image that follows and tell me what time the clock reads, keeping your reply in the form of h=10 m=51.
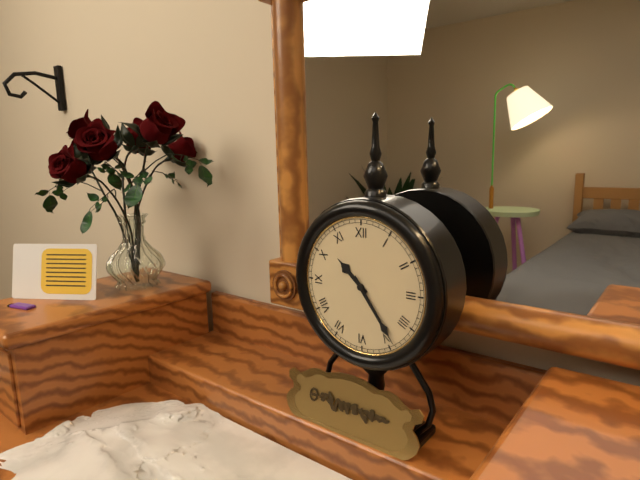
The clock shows h=10 m=24
